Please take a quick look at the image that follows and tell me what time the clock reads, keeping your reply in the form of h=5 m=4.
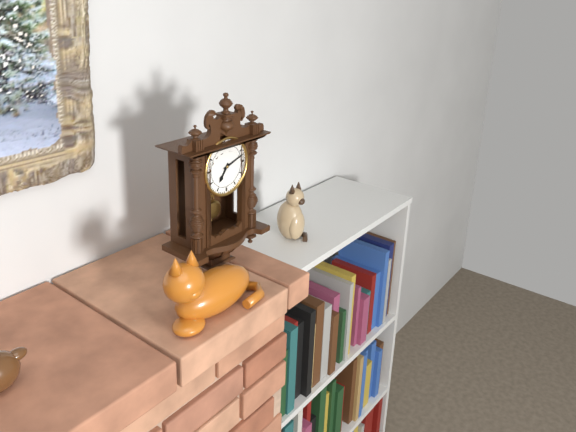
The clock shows h=7 m=12
